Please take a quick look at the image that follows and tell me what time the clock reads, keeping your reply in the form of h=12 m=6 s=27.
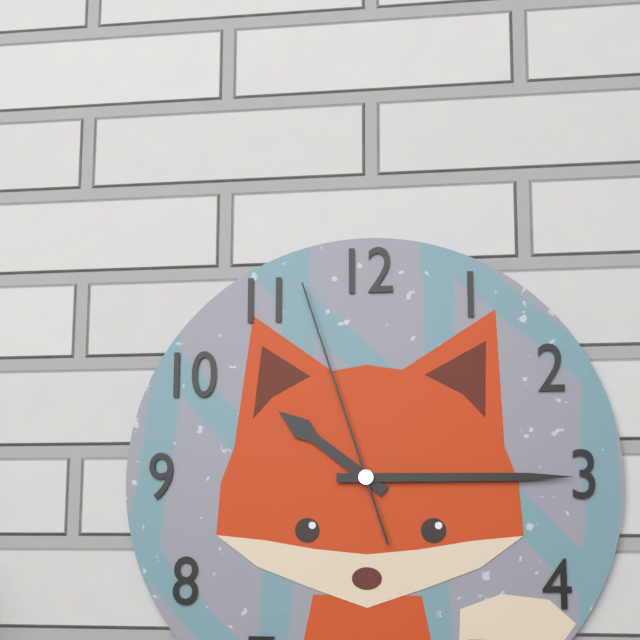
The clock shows h=10 m=15 s=57
